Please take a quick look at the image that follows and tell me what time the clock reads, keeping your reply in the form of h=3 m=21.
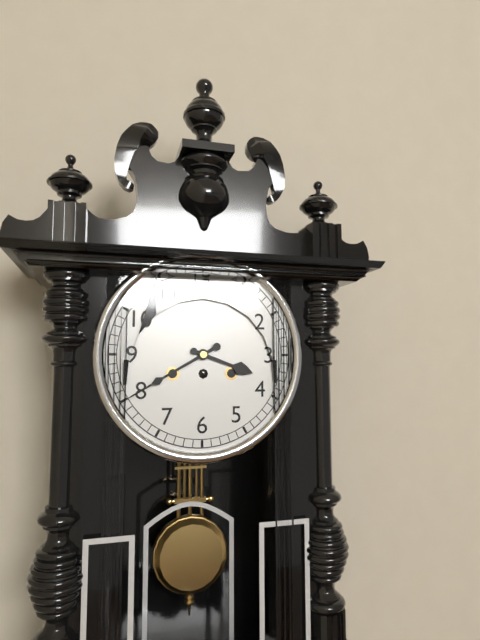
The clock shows h=3 m=40
